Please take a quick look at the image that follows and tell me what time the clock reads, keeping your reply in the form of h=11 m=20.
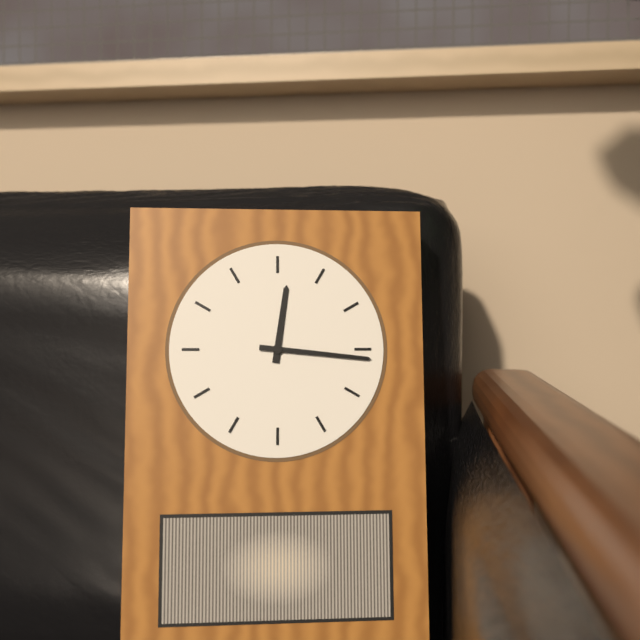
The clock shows h=12 m=16
